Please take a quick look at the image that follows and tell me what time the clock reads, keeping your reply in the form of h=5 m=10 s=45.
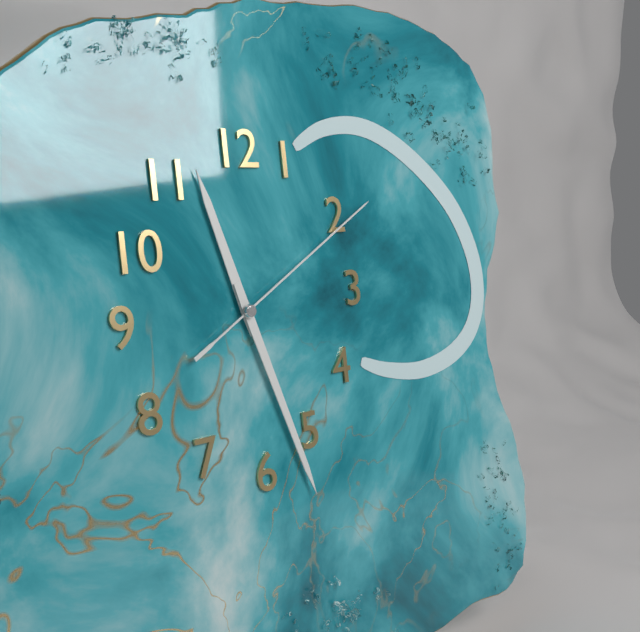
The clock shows h=11 m=27 s=10
